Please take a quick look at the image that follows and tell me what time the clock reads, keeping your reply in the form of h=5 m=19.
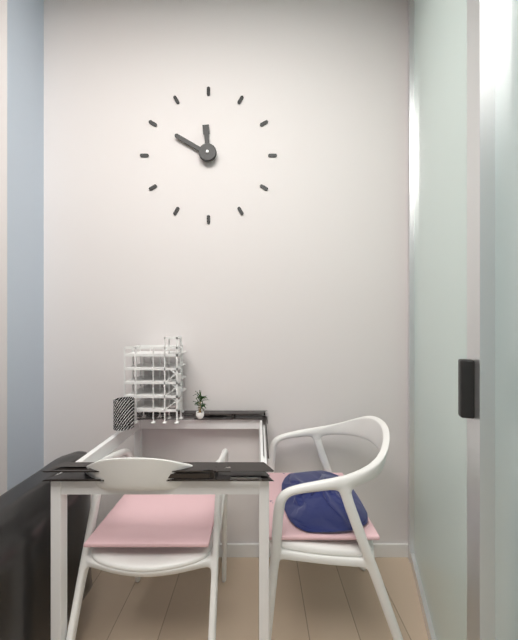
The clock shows h=11 m=50
